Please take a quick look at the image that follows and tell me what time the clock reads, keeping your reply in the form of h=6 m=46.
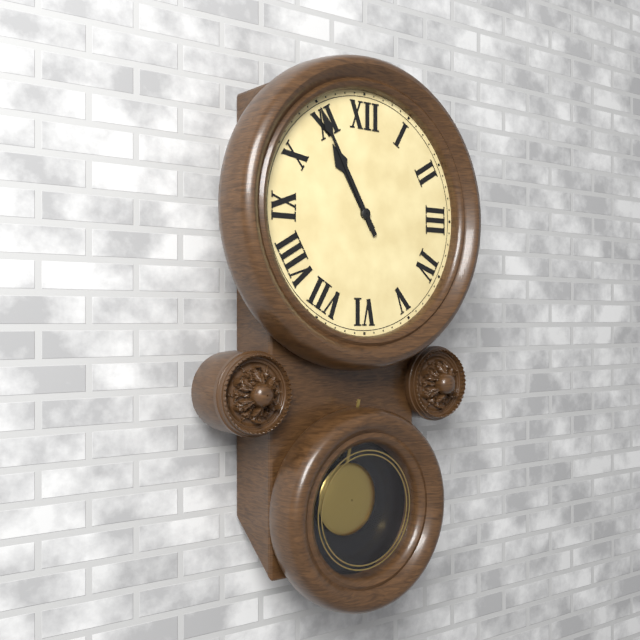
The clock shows h=10 m=55
